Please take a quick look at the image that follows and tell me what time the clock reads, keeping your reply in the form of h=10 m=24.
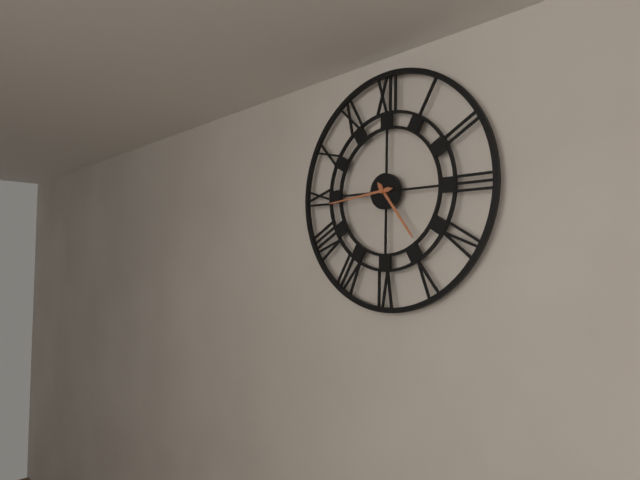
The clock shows h=4 m=44
